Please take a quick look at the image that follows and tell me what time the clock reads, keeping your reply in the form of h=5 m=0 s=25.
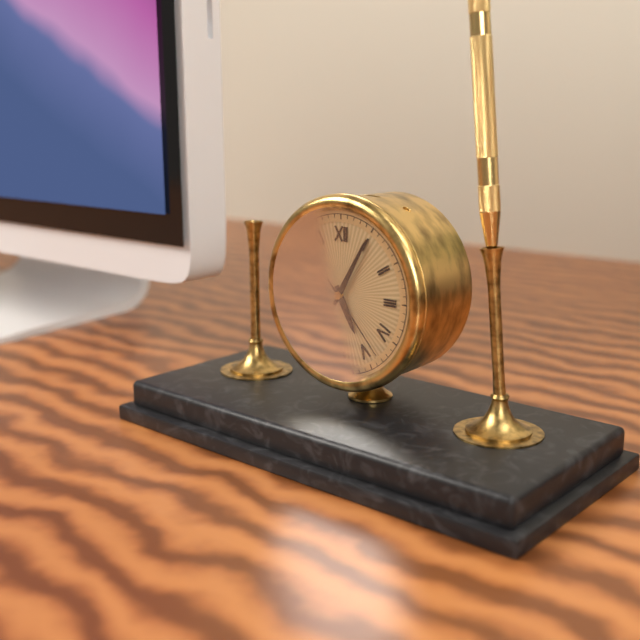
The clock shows h=5 m=5 s=23
